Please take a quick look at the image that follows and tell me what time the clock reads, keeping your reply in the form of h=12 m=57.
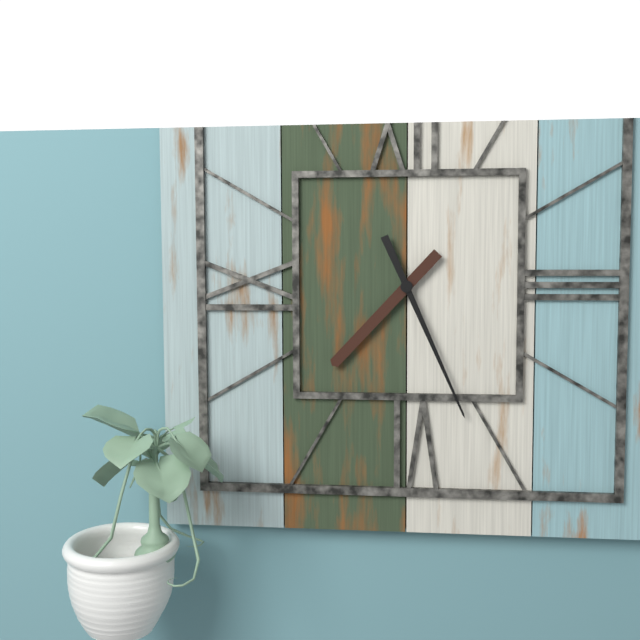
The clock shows h=7 m=26
